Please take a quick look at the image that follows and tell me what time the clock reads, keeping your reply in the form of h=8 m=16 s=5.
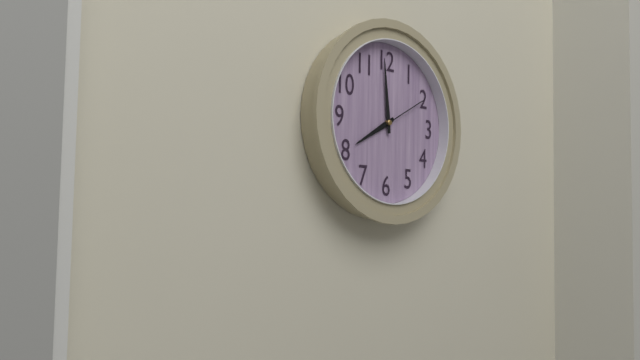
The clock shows h=7 m=59 s=10
